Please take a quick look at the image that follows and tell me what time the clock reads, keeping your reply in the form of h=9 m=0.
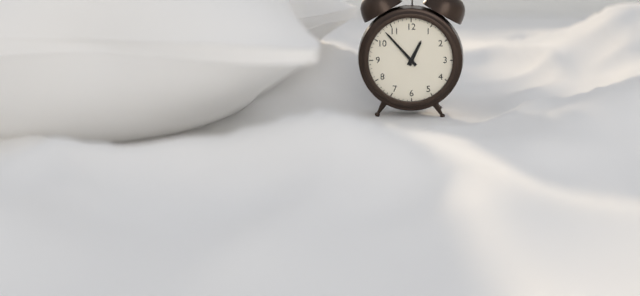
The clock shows h=12 m=53
